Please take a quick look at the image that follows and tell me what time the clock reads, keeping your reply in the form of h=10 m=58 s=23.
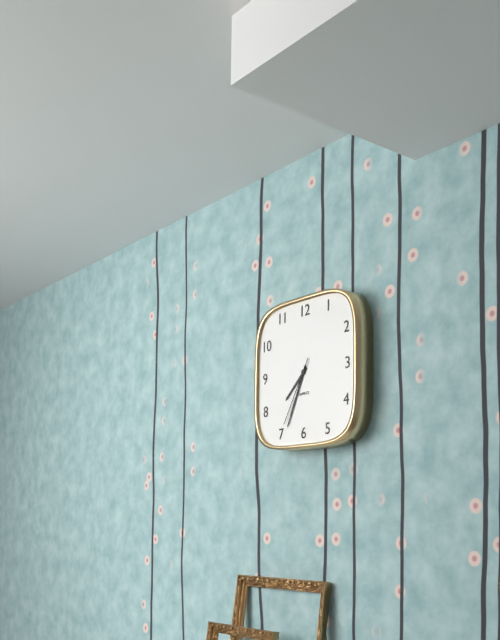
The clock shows h=7 m=34 s=35
